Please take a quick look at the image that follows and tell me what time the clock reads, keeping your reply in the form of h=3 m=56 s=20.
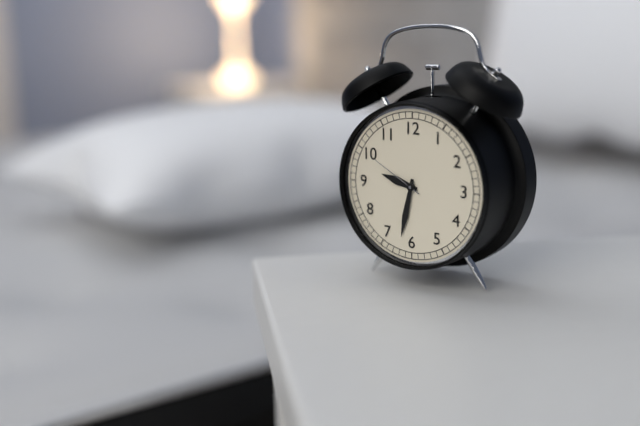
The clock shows h=9 m=32 s=50
